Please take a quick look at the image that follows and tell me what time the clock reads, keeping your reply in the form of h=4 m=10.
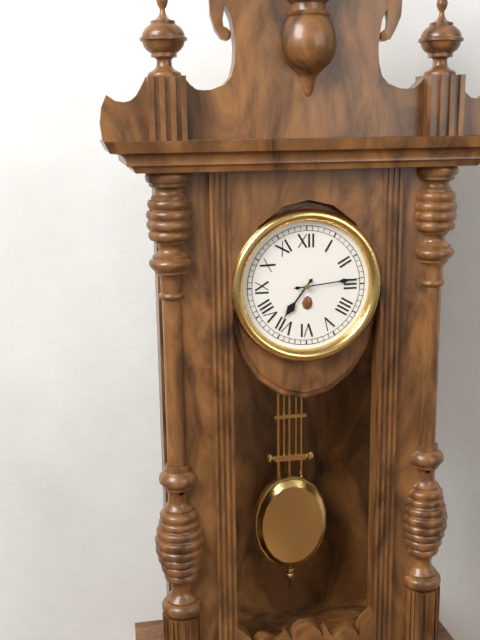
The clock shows h=7 m=14
